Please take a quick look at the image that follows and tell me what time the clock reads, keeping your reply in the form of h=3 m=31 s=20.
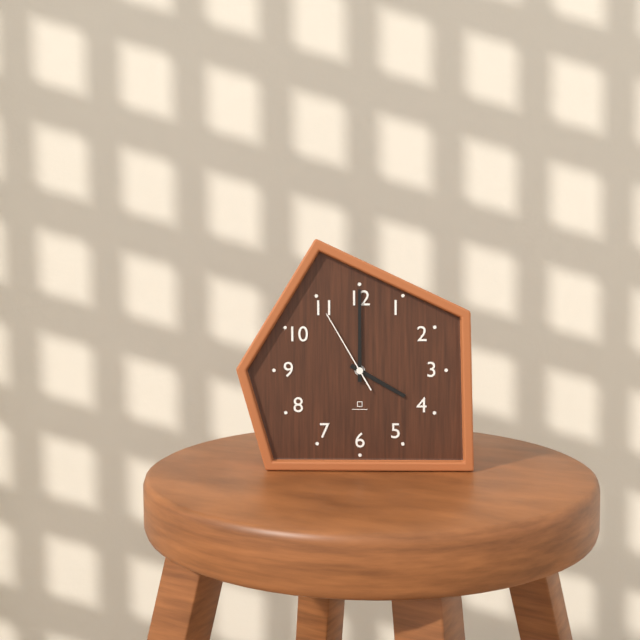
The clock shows h=4 m=0 s=55
